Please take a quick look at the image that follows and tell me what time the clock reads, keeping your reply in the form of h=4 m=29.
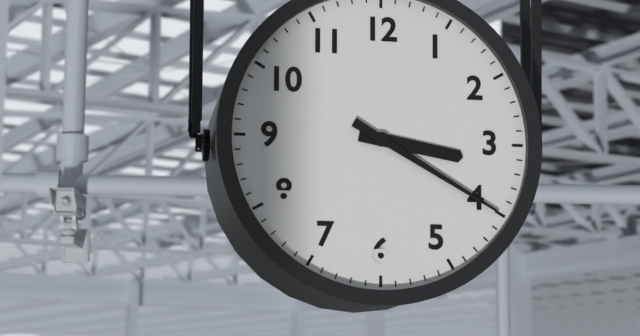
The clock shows h=3 m=20
